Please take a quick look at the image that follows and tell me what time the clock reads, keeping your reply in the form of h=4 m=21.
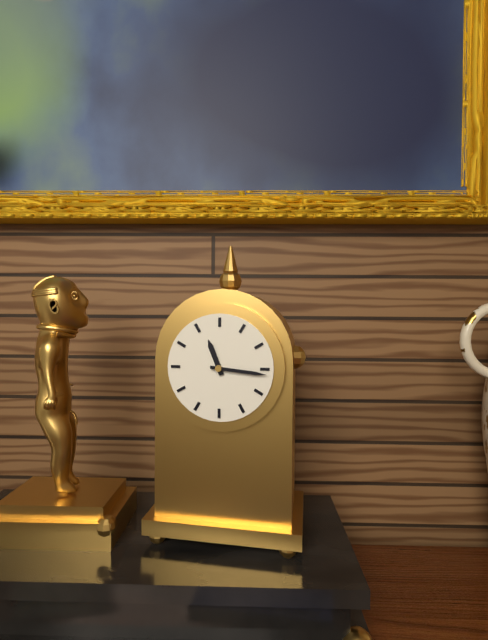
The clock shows h=11 m=16
